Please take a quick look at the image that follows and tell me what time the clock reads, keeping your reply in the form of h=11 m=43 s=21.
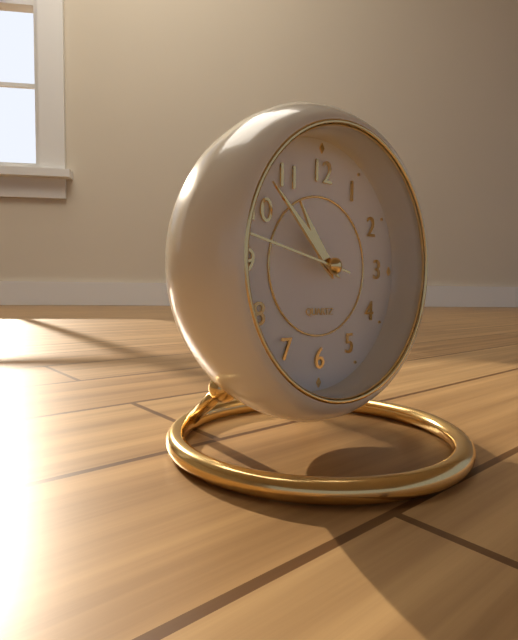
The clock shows h=10 m=52 s=47
